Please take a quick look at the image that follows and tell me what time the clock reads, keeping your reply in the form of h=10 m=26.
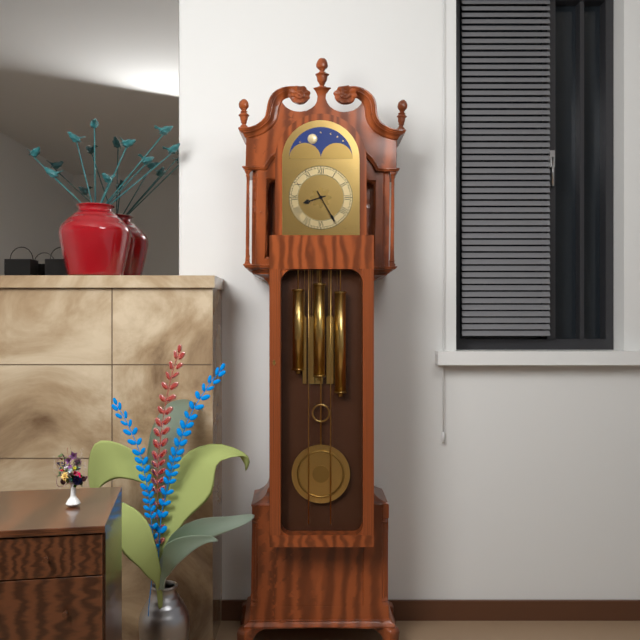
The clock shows h=8 m=25
